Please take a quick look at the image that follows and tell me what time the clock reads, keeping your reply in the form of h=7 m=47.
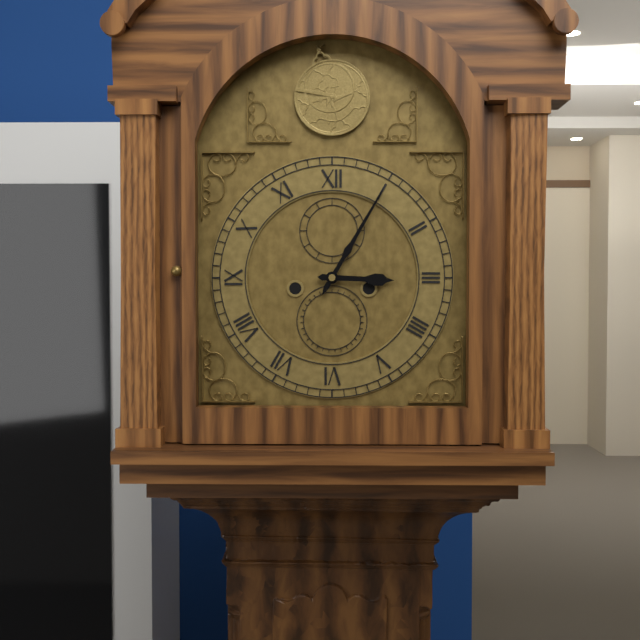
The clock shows h=3 m=5
